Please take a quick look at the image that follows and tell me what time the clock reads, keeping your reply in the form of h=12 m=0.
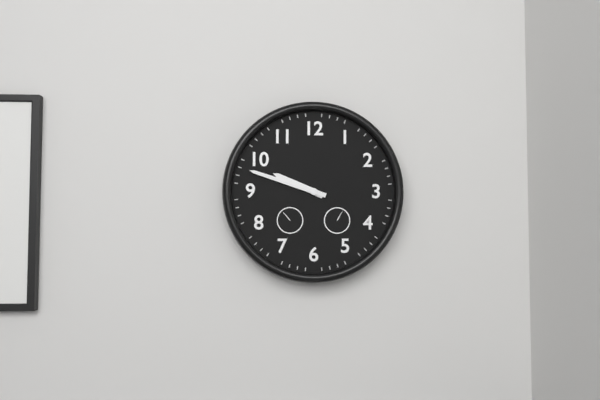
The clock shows h=9 m=48
